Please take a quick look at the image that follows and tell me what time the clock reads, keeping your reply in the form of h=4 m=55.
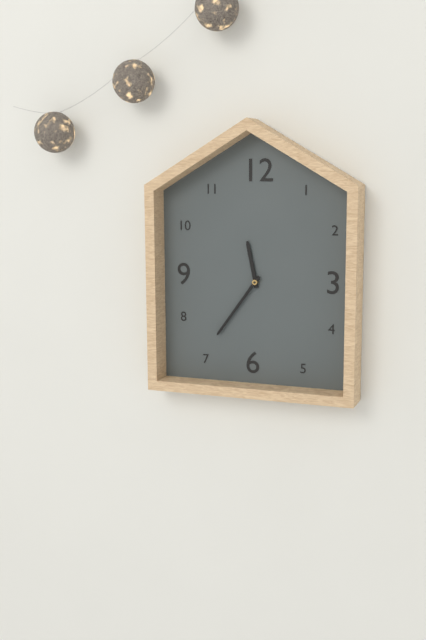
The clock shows h=11 m=36
